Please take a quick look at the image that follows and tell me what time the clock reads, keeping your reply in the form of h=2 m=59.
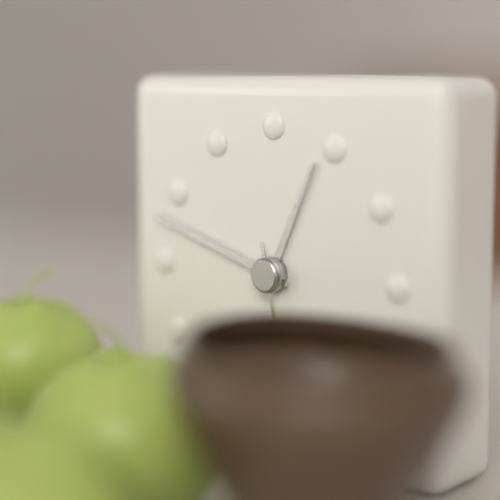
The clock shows h=12 m=48
